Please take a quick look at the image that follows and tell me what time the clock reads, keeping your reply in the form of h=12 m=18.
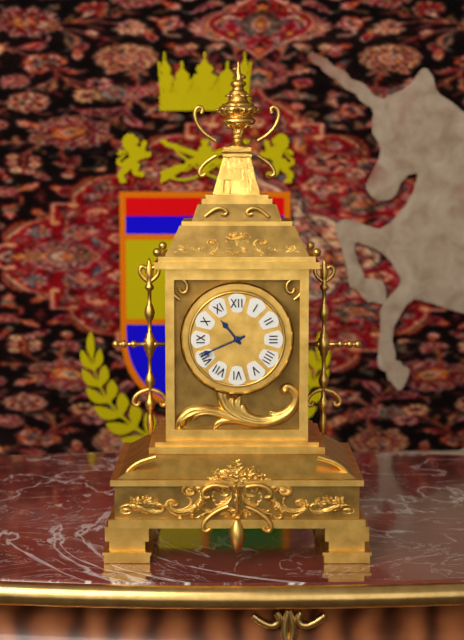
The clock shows h=10 m=41
